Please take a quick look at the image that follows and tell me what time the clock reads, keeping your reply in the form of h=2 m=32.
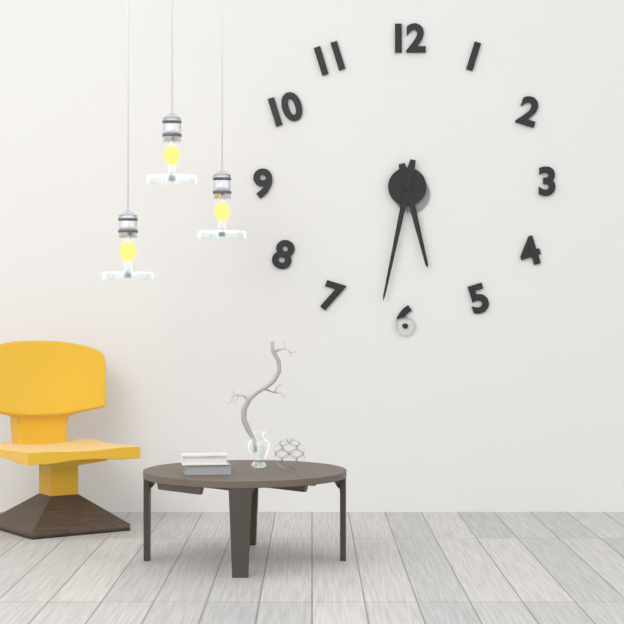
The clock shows h=5 m=32
